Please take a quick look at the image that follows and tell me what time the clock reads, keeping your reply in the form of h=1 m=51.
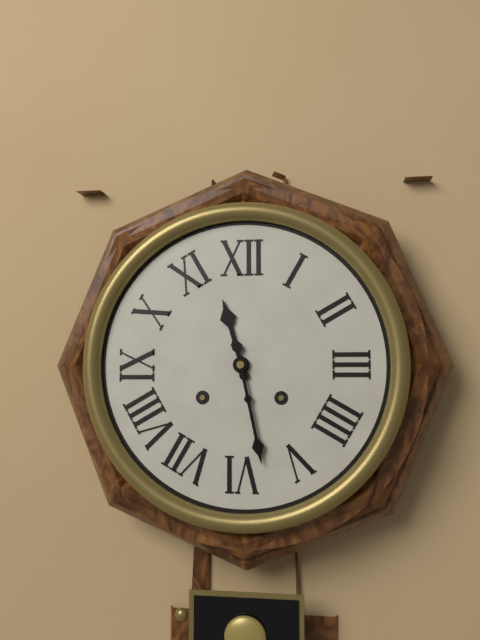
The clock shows h=11 m=28
